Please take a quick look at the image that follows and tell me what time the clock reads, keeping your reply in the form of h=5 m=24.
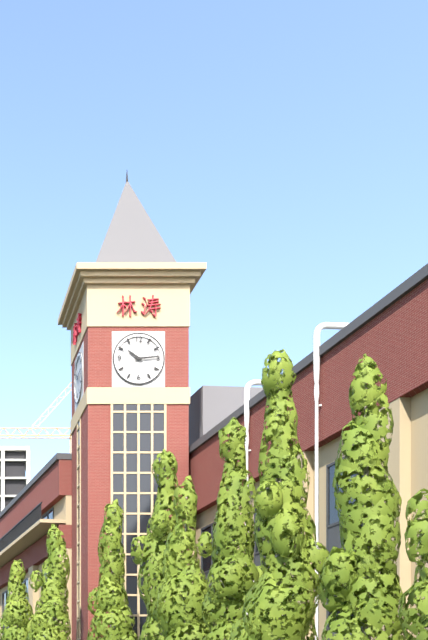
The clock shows h=10 m=14
